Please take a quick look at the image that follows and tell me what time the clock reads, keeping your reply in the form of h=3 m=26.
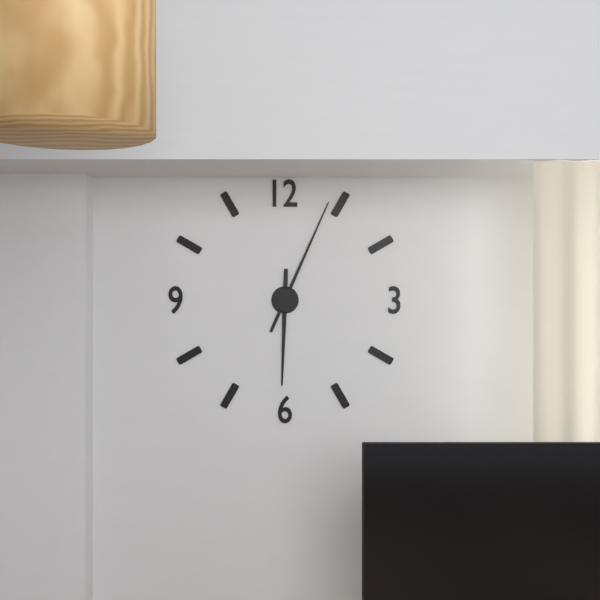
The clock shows h=6 m=4
